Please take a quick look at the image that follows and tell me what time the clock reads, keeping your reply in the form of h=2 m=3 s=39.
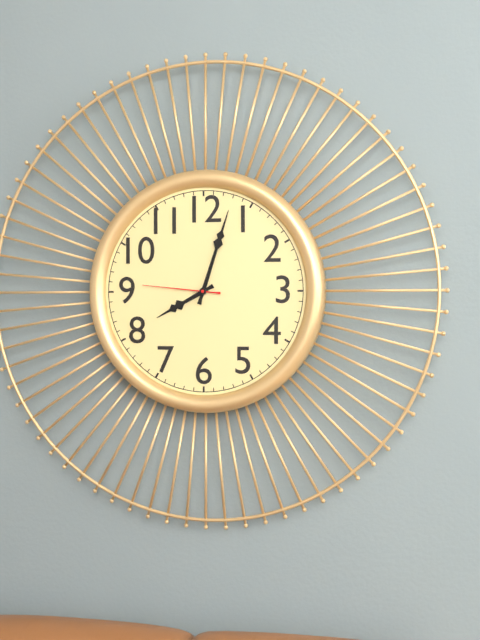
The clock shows h=8 m=3 s=46
